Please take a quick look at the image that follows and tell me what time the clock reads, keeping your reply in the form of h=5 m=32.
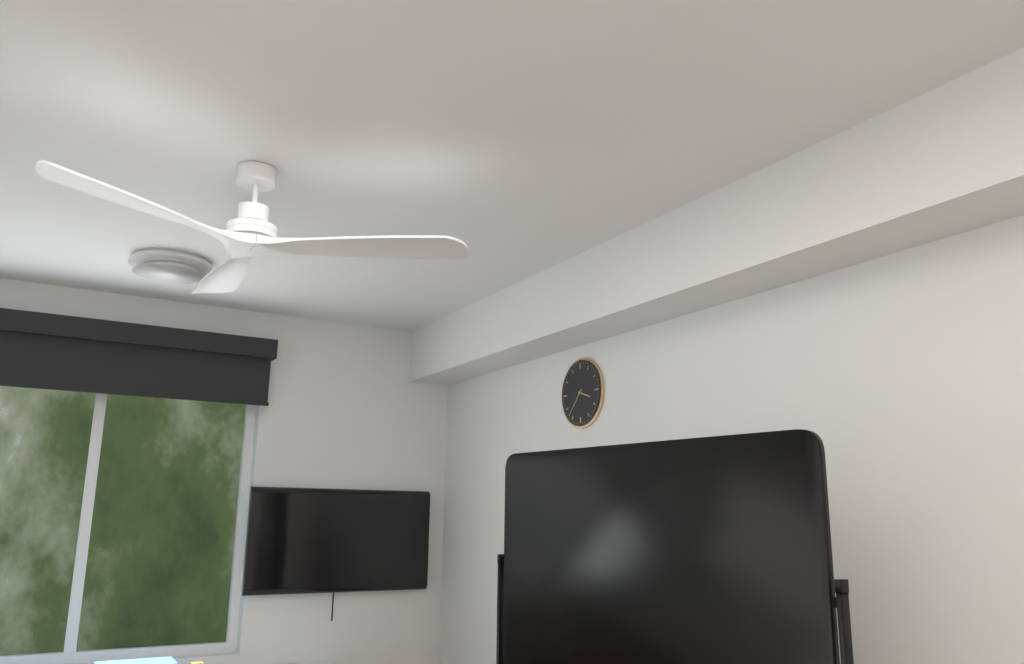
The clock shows h=3 m=37
